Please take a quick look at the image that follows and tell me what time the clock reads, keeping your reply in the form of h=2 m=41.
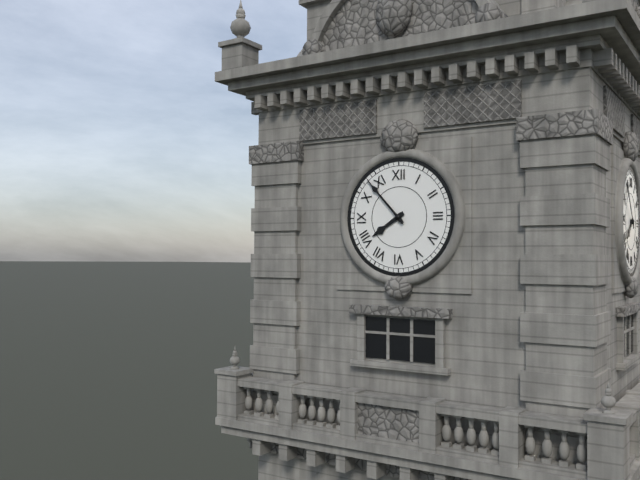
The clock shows h=7 m=53
